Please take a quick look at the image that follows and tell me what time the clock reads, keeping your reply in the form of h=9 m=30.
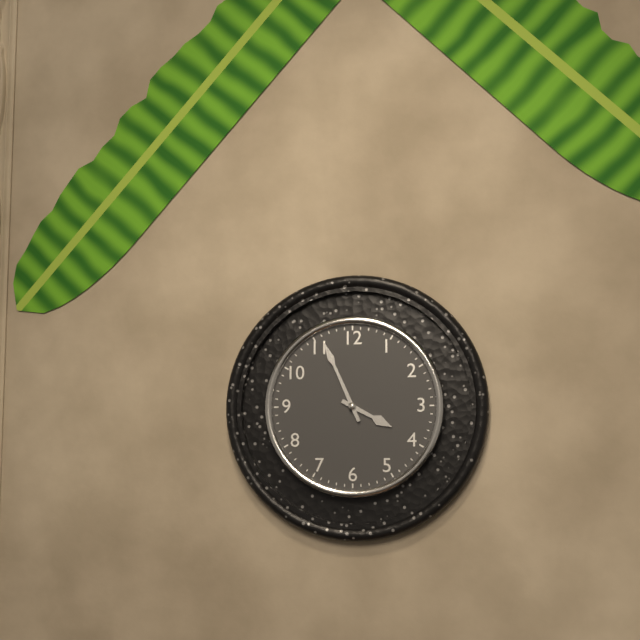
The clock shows h=3 m=56
